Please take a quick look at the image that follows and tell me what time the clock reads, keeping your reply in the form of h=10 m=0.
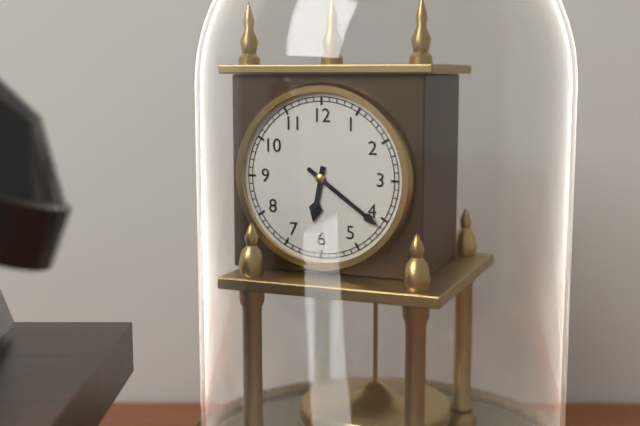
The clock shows h=6 m=21
